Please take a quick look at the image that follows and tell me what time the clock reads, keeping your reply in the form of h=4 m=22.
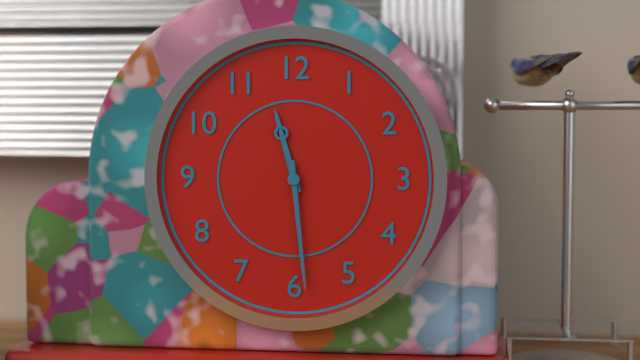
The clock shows h=11 m=29
